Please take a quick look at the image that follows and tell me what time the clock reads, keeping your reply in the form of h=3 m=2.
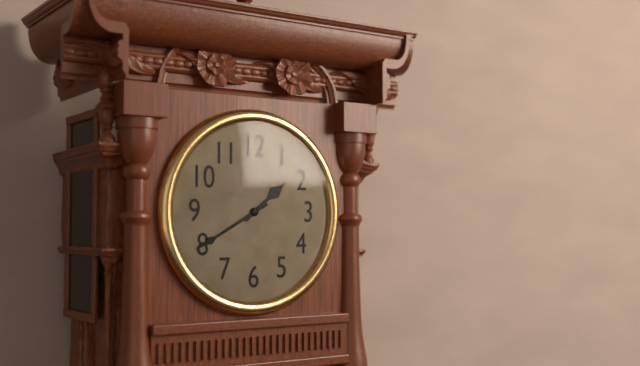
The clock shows h=1 m=40
